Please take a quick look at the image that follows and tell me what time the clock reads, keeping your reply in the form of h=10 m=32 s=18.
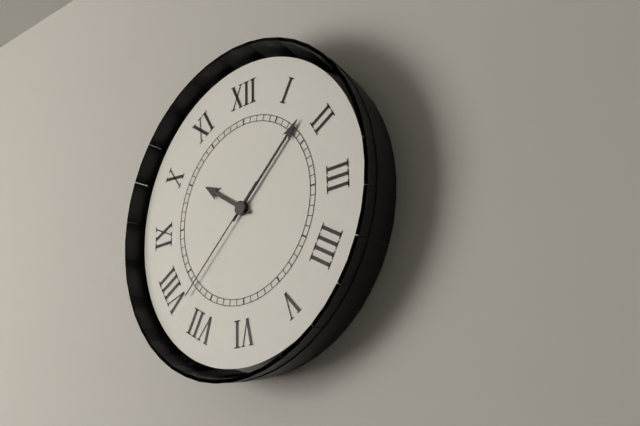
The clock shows h=10 m=8 s=38
